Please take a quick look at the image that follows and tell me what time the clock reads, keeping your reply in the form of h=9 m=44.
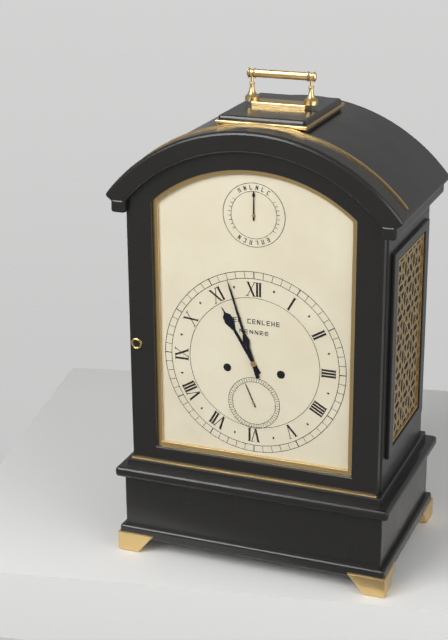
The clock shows h=10 m=57
